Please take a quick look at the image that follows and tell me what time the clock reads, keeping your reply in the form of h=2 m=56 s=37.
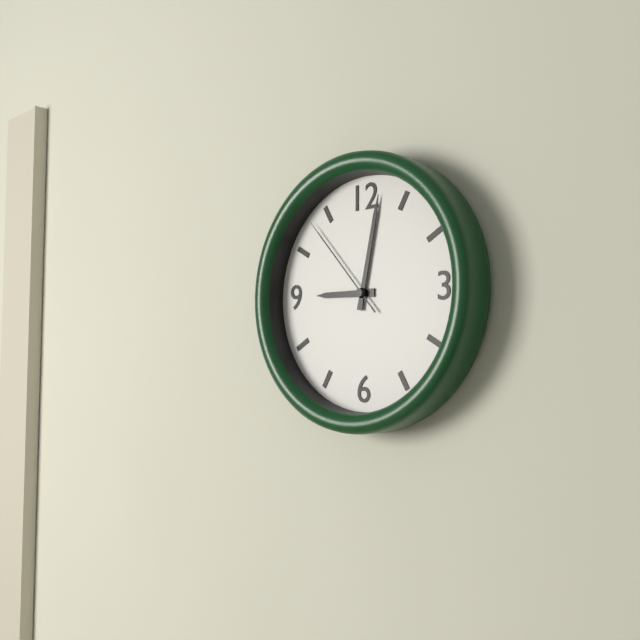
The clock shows h=9 m=2 s=53
